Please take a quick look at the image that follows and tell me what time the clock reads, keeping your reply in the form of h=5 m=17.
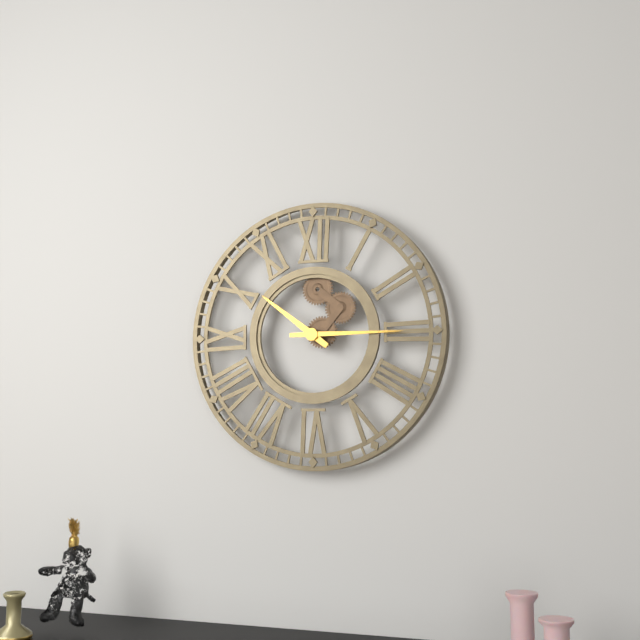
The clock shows h=10 m=15
